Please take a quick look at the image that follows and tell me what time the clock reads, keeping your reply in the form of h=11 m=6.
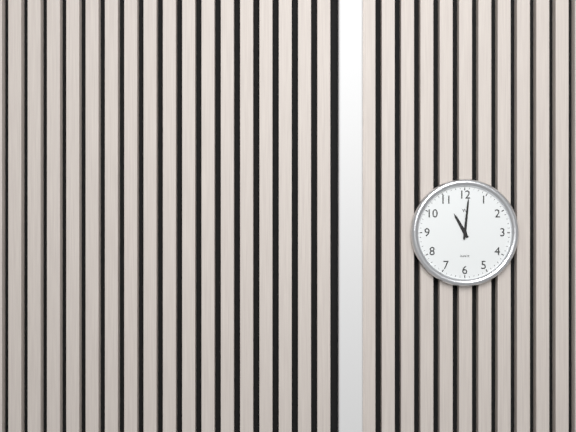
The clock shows h=11 m=1
